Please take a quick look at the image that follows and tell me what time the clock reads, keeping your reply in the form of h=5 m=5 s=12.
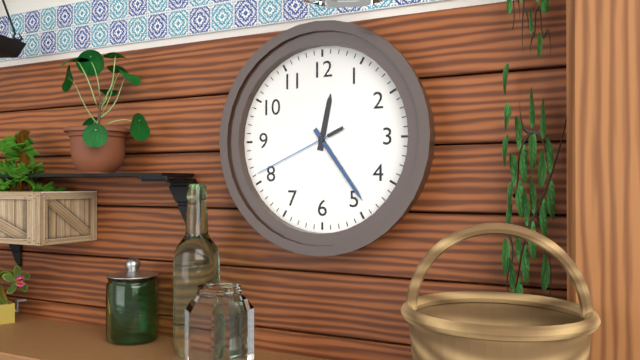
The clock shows h=12 m=24 s=41
